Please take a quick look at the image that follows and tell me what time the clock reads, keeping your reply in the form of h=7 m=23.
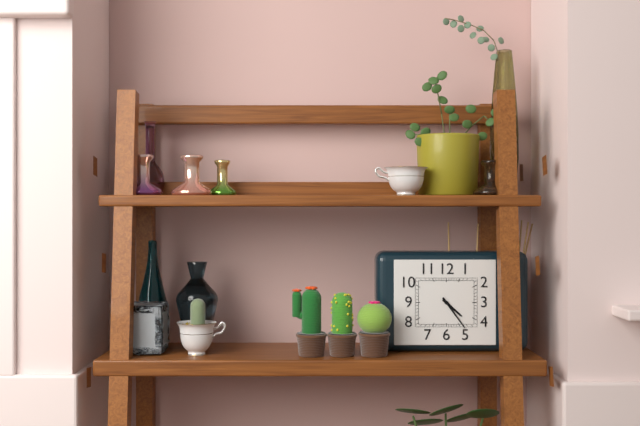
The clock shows h=4 m=24
